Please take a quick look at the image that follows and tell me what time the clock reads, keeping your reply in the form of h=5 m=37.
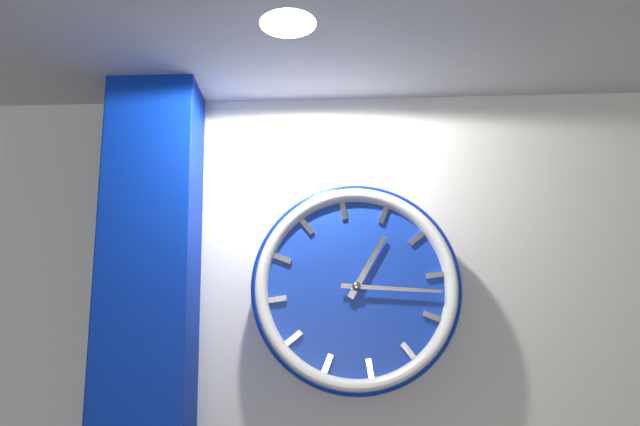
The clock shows h=1 m=17
